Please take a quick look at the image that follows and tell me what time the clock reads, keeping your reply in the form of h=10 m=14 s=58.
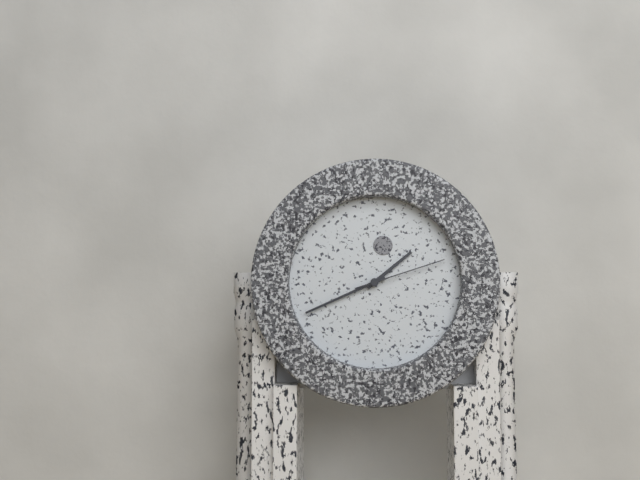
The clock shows h=1 m=41 s=12
